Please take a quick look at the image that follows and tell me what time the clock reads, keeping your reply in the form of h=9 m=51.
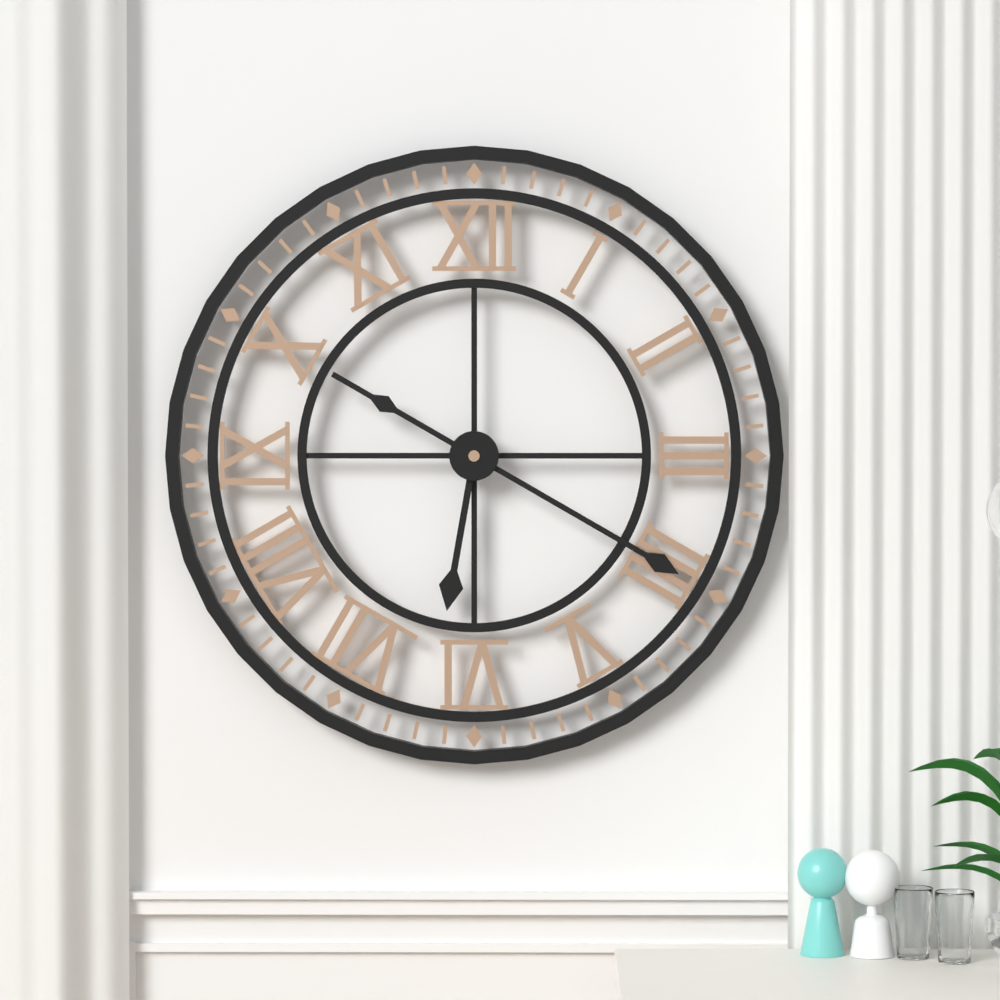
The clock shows h=6 m=20
